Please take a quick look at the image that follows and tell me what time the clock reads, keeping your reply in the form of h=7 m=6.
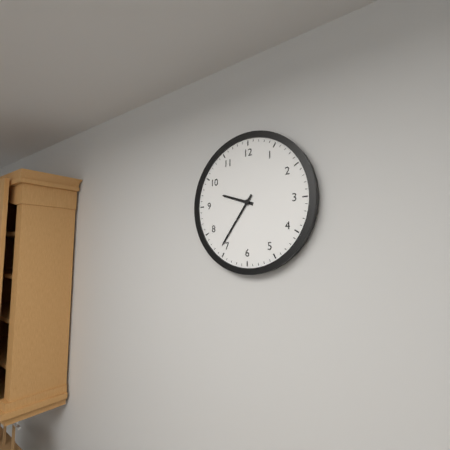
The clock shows h=9 m=36
